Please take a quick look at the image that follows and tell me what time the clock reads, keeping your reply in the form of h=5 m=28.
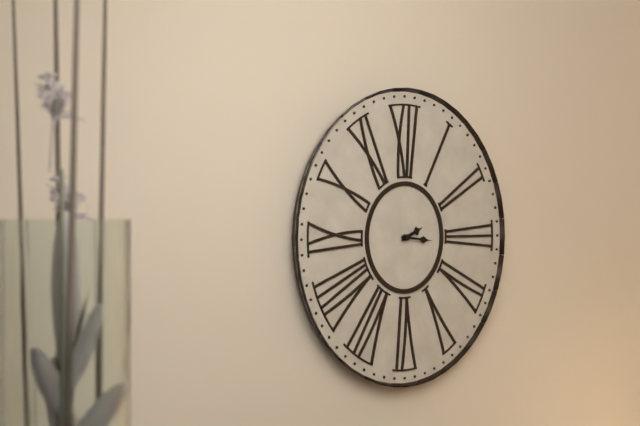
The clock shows h=2 m=16
